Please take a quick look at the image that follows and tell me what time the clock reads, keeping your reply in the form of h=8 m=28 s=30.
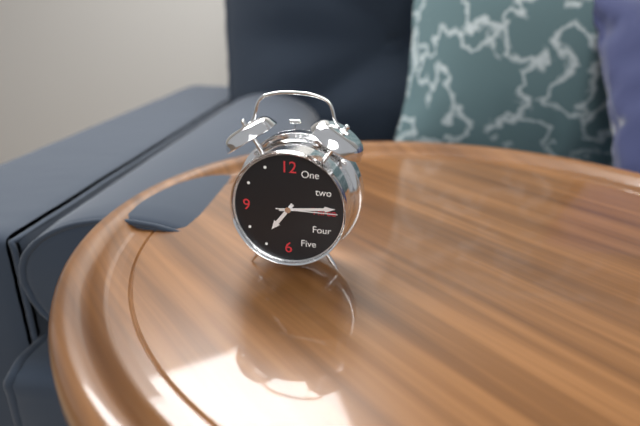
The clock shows h=7 m=14 s=15
